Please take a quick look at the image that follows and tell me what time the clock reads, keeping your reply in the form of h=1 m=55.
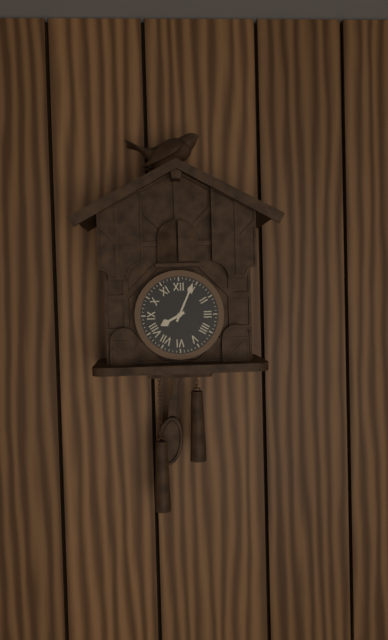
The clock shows h=8 m=4
